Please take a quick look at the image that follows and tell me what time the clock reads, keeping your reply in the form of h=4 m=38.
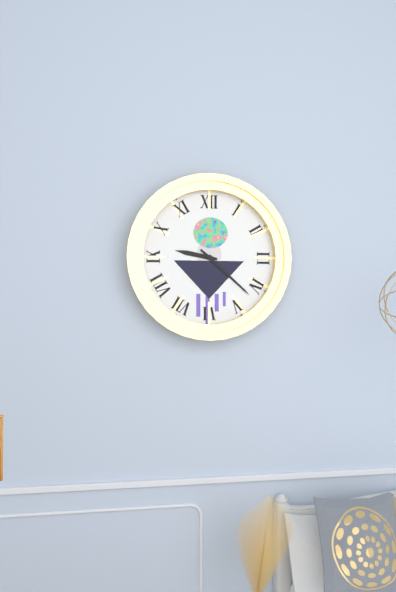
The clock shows h=9 m=22
